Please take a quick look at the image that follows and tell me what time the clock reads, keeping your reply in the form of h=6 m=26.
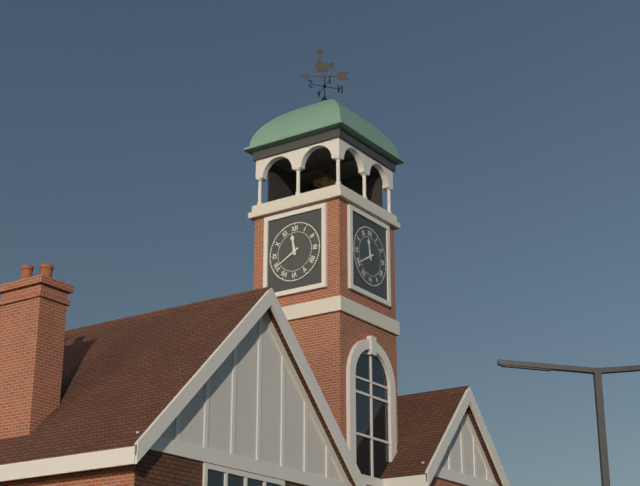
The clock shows h=11 m=40
